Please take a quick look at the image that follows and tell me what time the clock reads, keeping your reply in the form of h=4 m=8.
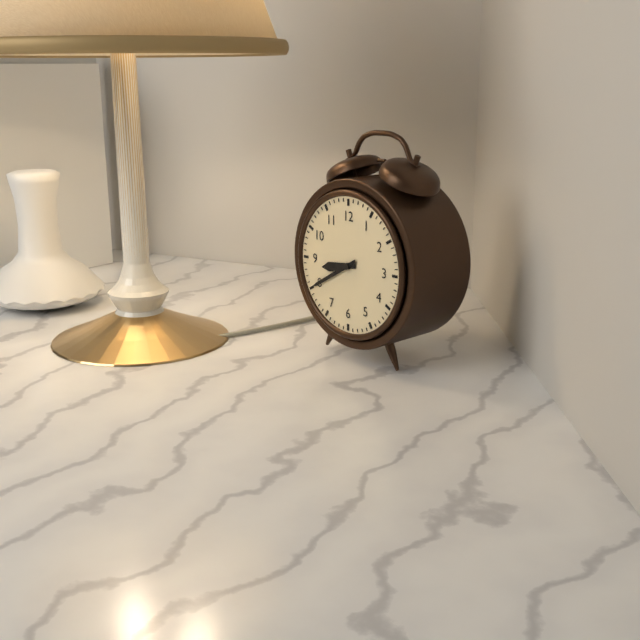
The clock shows h=8 m=40
